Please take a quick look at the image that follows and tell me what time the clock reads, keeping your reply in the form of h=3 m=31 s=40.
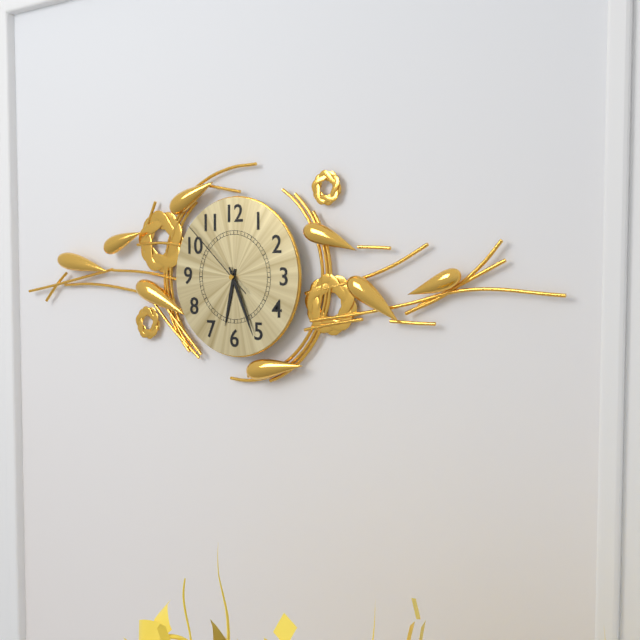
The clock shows h=6 m=26 s=52
